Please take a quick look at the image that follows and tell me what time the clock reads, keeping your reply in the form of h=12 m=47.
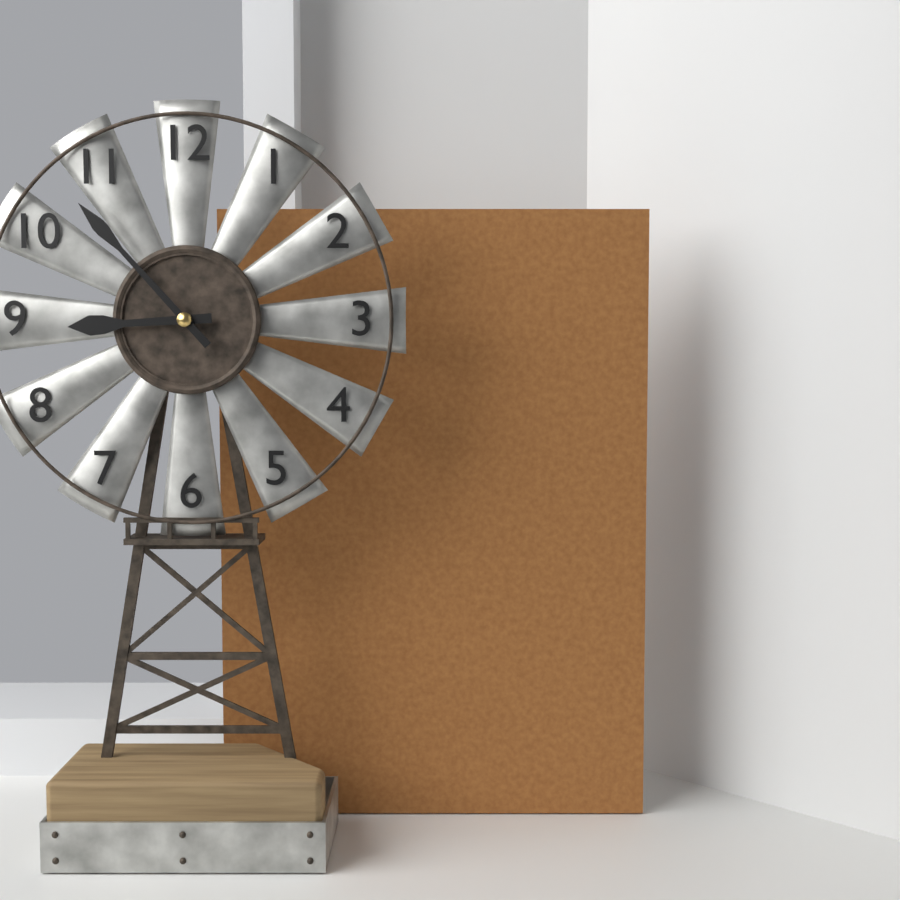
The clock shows h=8 m=53
